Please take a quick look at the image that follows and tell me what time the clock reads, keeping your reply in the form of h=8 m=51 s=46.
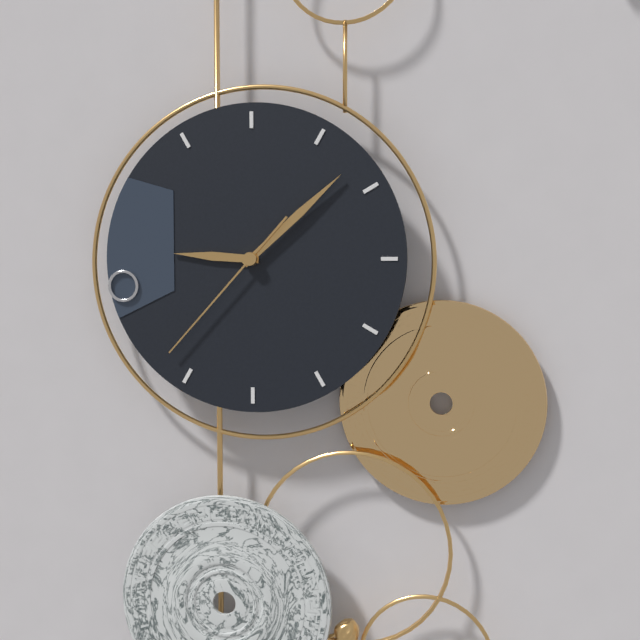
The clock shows h=9 m=8 s=37
